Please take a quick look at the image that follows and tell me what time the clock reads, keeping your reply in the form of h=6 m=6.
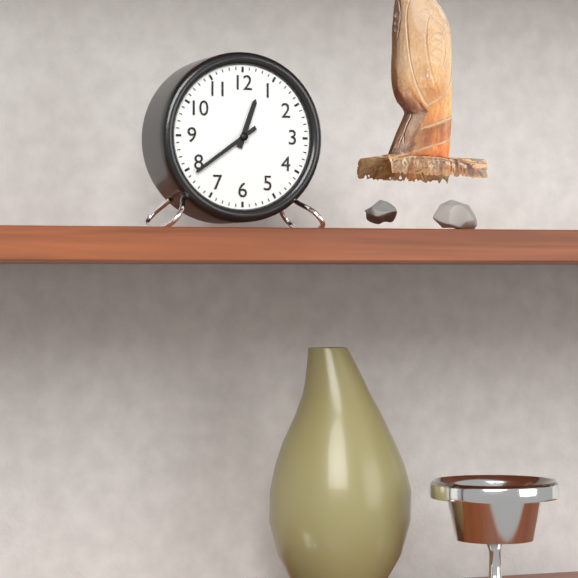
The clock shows h=12 m=39
